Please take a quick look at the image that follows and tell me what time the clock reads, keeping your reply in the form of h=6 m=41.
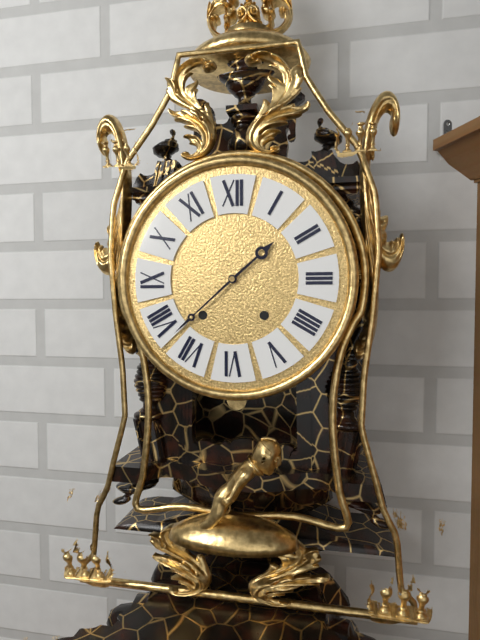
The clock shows h=1 m=38
